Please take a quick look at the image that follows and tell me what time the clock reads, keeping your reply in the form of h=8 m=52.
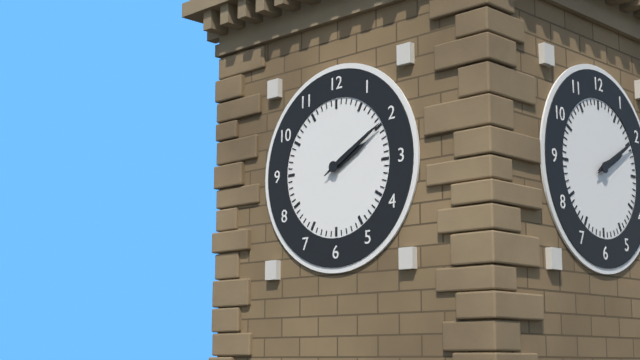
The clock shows h=2 m=10
